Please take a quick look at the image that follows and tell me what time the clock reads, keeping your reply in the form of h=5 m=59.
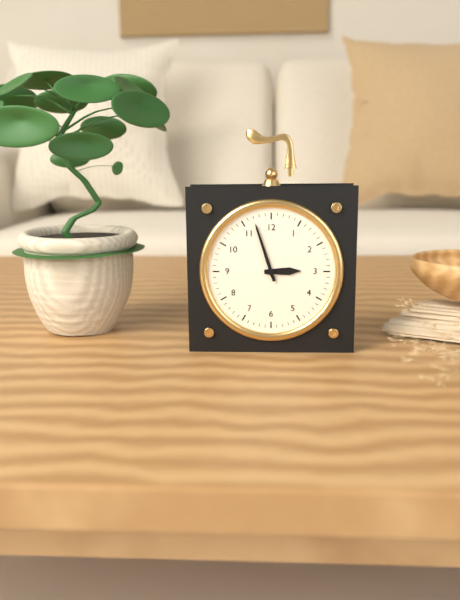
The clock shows h=2 m=57
